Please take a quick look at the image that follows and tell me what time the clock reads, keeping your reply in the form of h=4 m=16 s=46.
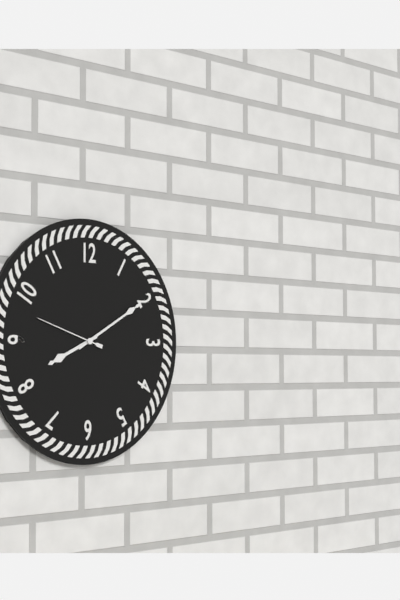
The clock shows h=8 m=10 s=48
